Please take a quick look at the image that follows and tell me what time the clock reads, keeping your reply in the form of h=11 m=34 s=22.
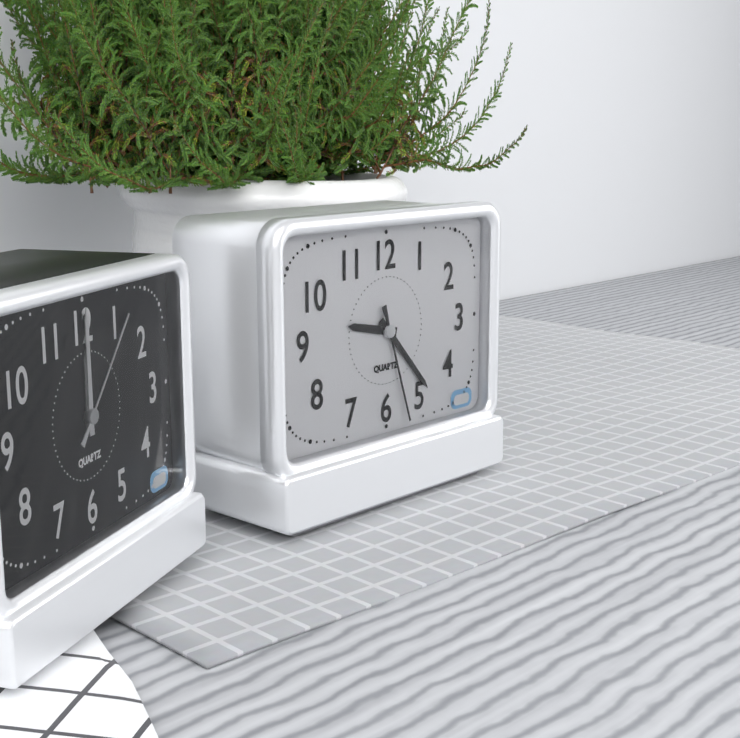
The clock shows h=9 m=23 s=27
